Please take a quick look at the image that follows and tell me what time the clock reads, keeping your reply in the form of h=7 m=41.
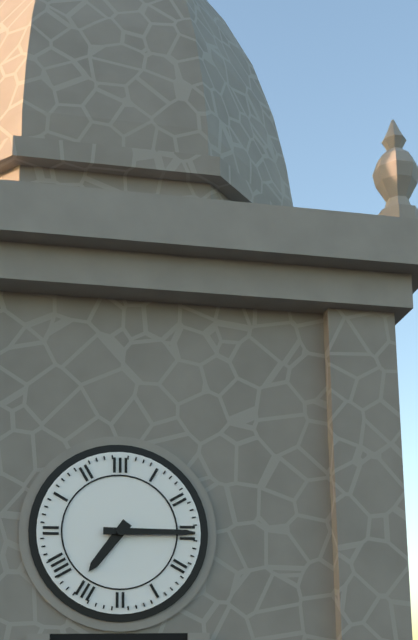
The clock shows h=7 m=15
